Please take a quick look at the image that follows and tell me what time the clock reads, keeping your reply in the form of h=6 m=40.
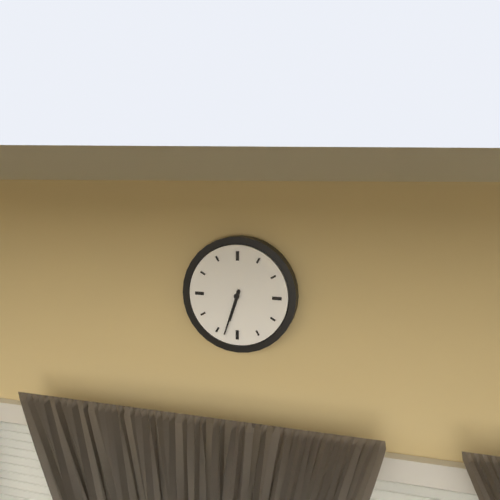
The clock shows h=6 m=33
